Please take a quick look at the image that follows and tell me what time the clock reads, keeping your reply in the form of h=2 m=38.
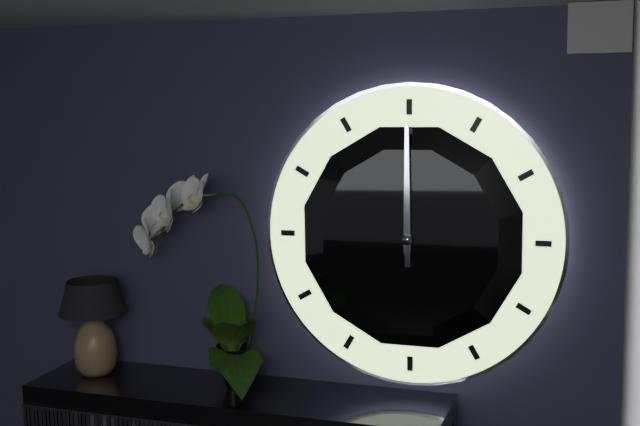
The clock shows h=12 m=0
